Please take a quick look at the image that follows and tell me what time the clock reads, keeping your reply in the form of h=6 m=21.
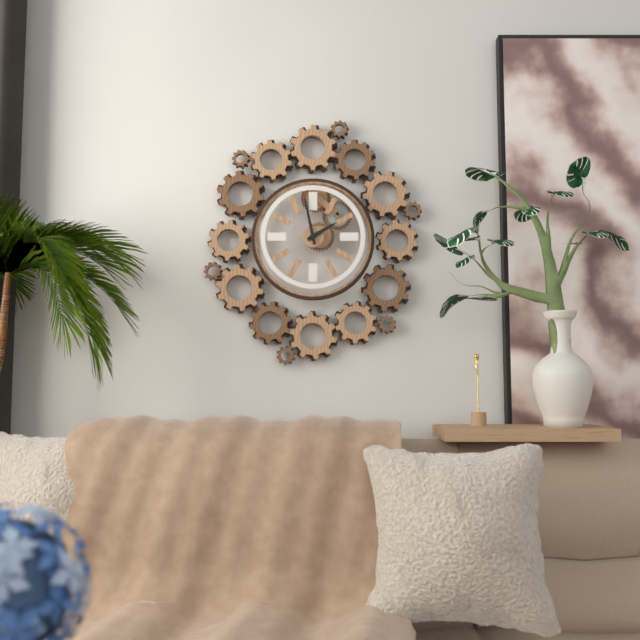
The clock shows h=1 m=58
